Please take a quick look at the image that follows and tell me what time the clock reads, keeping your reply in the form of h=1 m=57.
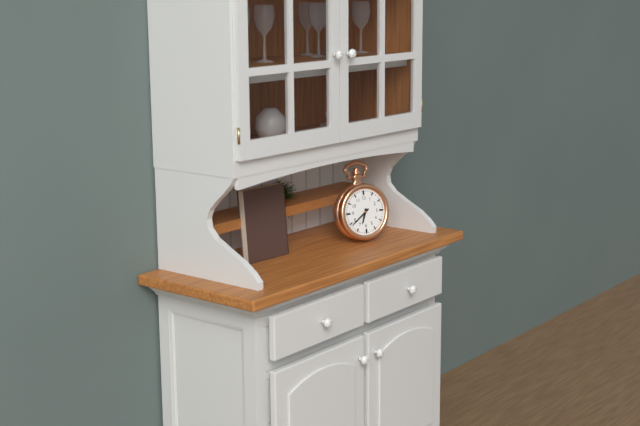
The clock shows h=6 m=39
